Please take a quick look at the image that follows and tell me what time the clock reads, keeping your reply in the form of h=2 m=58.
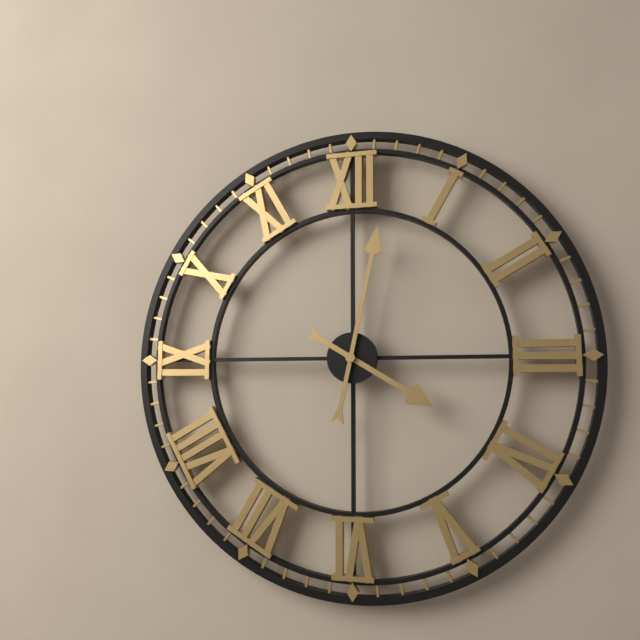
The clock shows h=4 m=2
